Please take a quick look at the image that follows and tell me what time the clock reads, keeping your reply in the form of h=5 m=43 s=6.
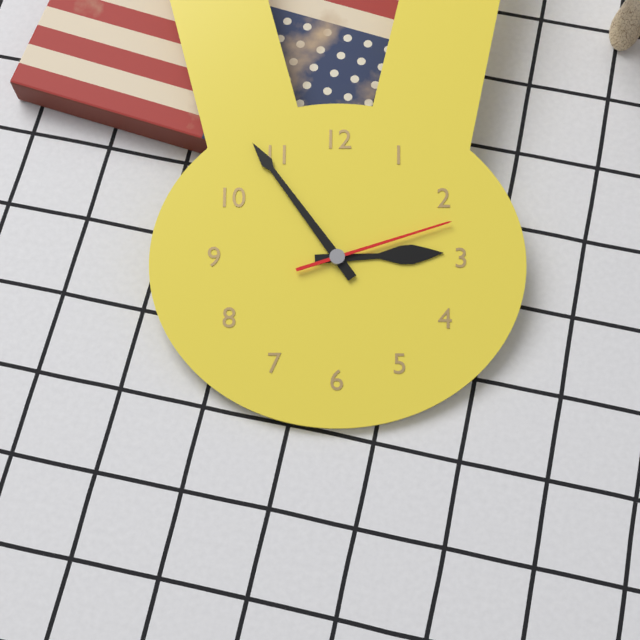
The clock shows h=2 m=54 s=12
